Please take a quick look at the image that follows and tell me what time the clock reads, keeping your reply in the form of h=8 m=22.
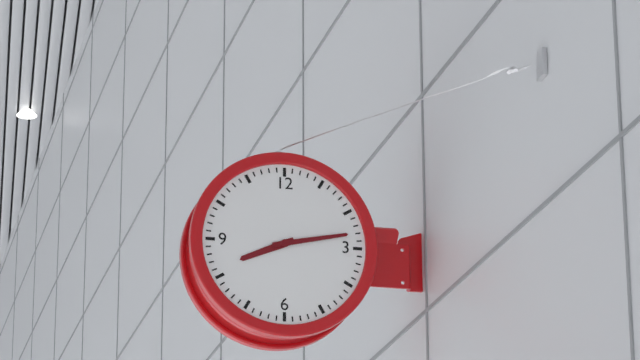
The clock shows h=8 m=13
